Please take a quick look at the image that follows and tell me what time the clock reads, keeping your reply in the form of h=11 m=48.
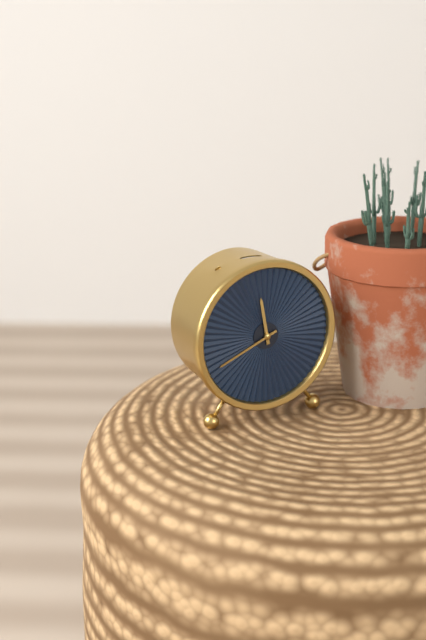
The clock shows h=11 m=41
